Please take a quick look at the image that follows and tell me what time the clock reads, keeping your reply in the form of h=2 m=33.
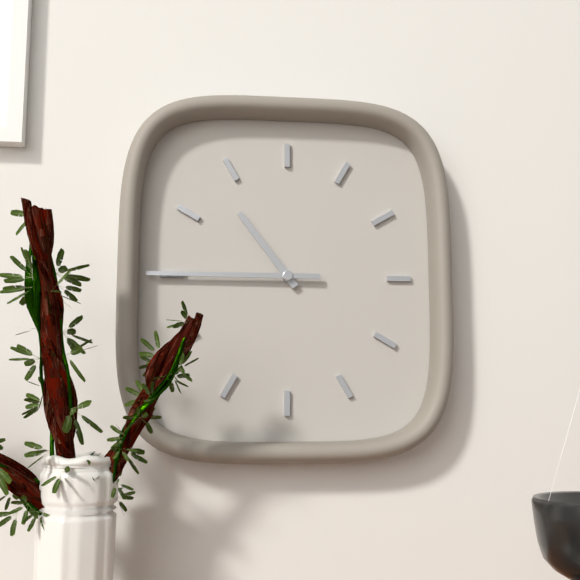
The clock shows h=10 m=45
